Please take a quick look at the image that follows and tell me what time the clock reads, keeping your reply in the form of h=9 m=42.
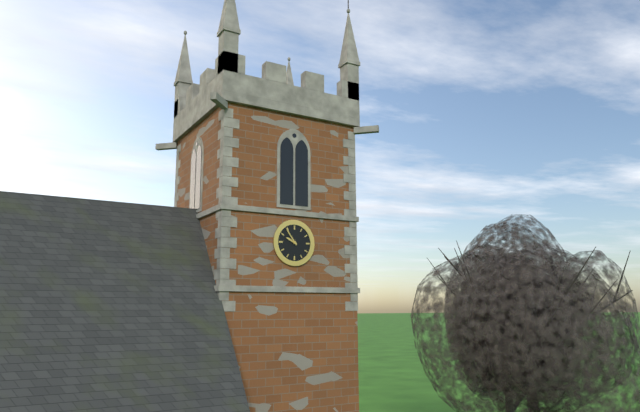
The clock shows h=9 m=54
